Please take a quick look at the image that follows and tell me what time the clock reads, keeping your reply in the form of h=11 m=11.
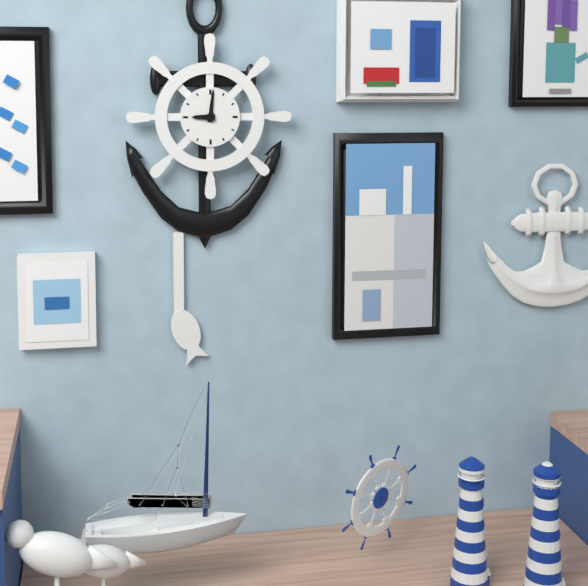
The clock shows h=9 m=1
